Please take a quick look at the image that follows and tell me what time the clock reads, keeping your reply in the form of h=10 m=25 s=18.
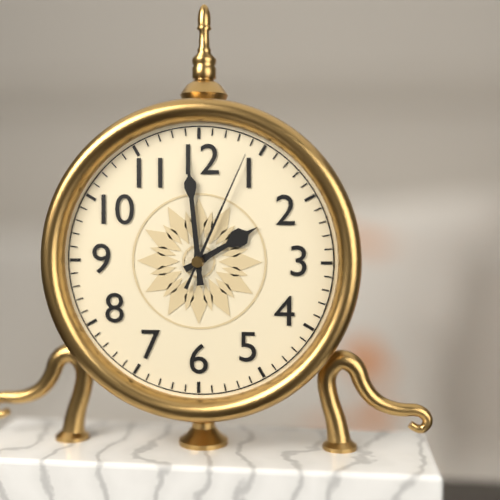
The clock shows h=1 m=59 s=4
